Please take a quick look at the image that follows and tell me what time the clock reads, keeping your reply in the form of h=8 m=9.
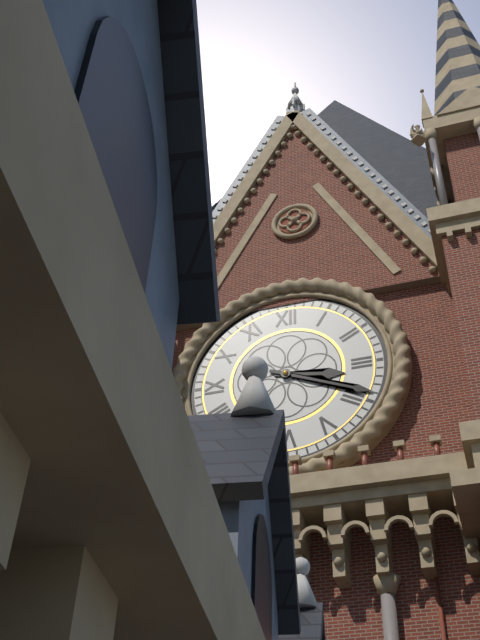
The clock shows h=3 m=19
